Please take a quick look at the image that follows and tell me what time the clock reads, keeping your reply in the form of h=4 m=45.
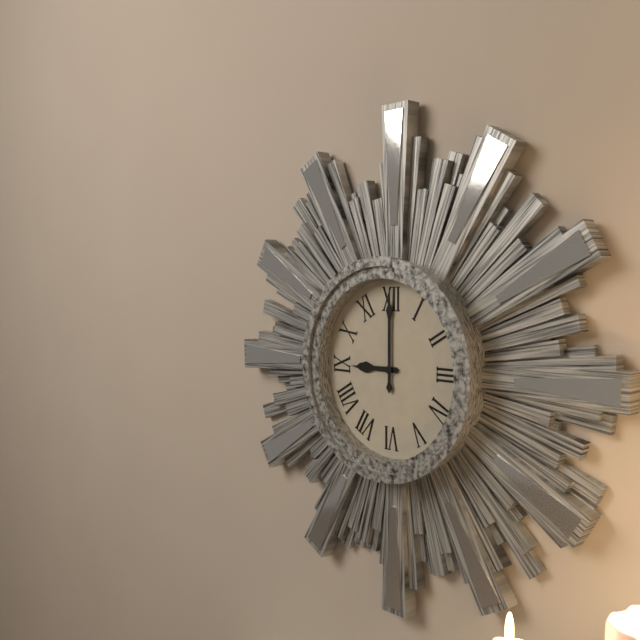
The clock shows h=9 m=0
